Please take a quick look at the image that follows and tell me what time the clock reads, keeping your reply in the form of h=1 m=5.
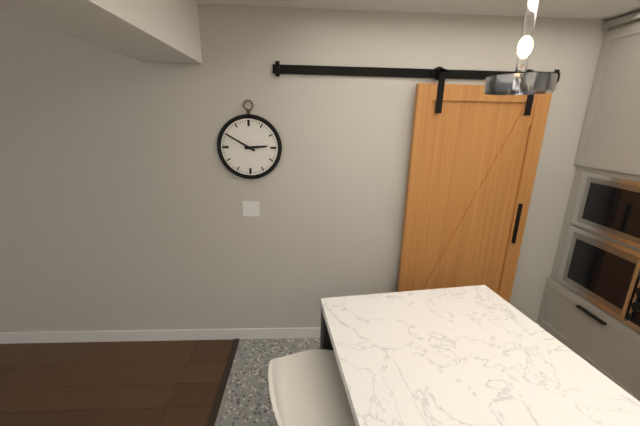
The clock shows h=2 m=50
